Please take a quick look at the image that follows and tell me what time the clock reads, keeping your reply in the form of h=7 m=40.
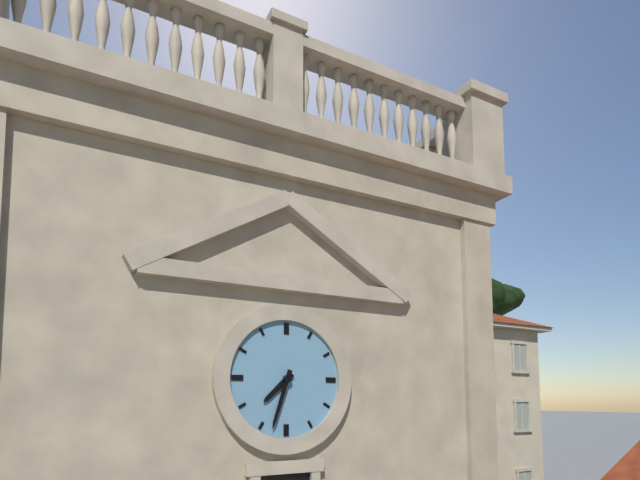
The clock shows h=7 m=33
